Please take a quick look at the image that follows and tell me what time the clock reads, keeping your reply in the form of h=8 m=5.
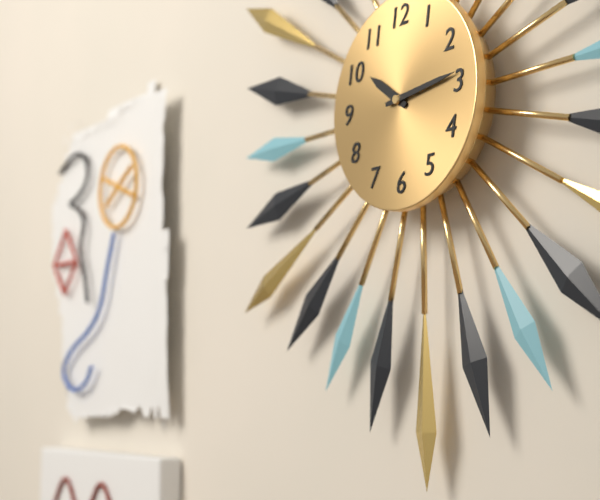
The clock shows h=10 m=14
